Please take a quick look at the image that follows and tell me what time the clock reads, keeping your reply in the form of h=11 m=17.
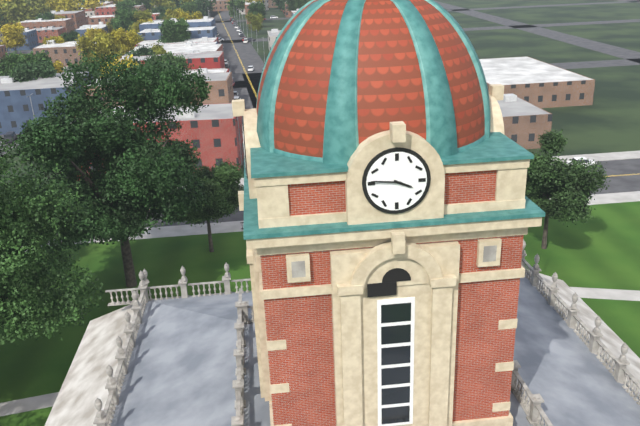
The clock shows h=3 m=46
